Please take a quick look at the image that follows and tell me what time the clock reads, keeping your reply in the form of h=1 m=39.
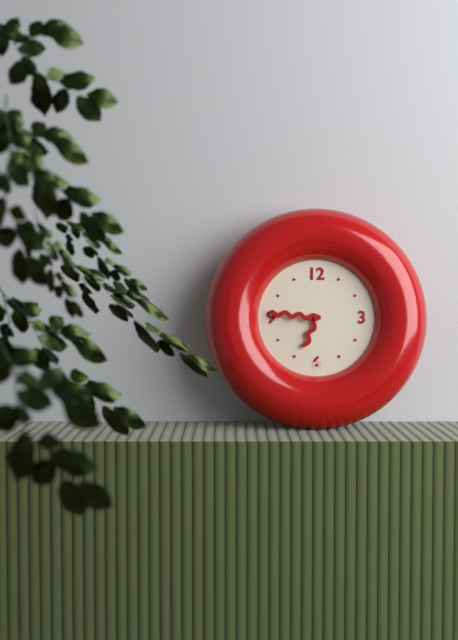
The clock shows h=6 m=46
